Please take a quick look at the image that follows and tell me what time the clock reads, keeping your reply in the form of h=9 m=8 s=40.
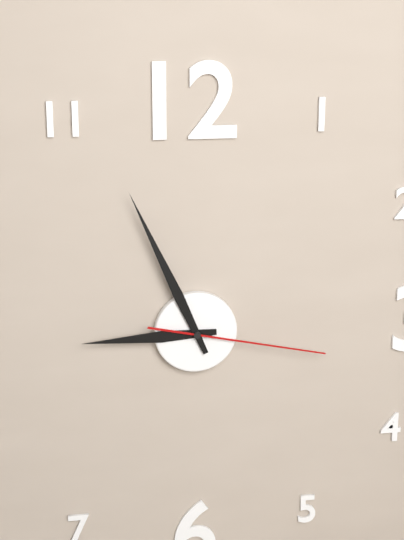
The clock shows h=8 m=56 s=17
